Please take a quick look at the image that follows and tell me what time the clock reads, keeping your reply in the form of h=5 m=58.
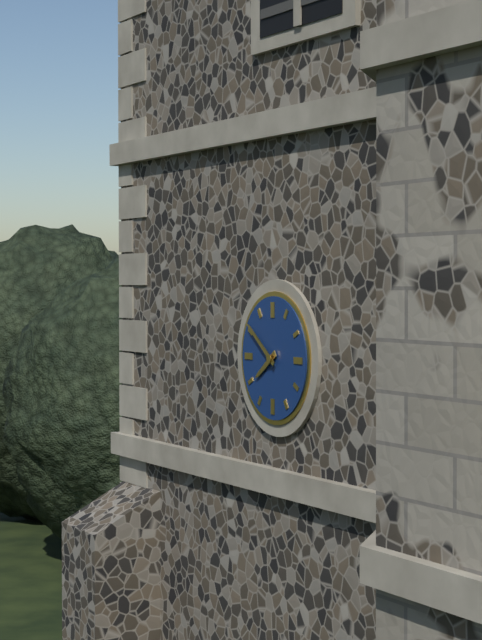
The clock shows h=7 m=51
